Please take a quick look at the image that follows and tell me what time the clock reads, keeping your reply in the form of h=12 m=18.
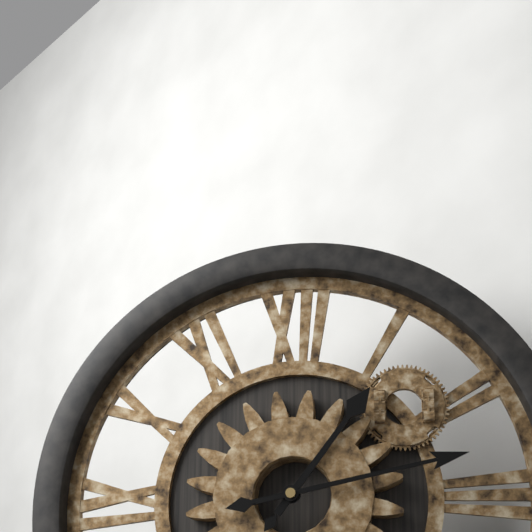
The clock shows h=1 m=13
